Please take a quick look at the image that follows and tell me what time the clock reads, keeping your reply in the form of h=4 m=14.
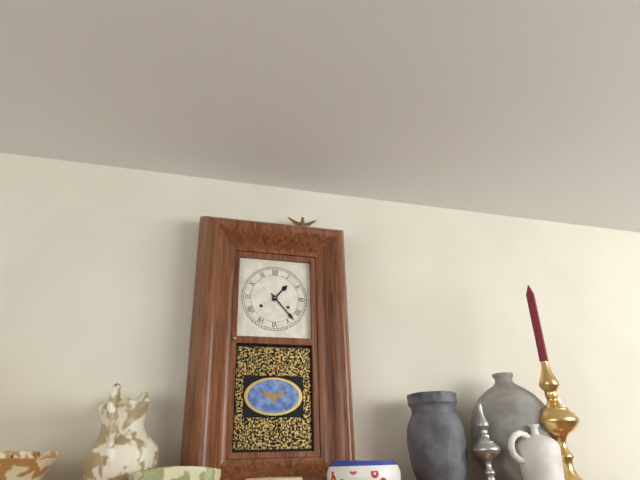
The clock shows h=1 m=23
